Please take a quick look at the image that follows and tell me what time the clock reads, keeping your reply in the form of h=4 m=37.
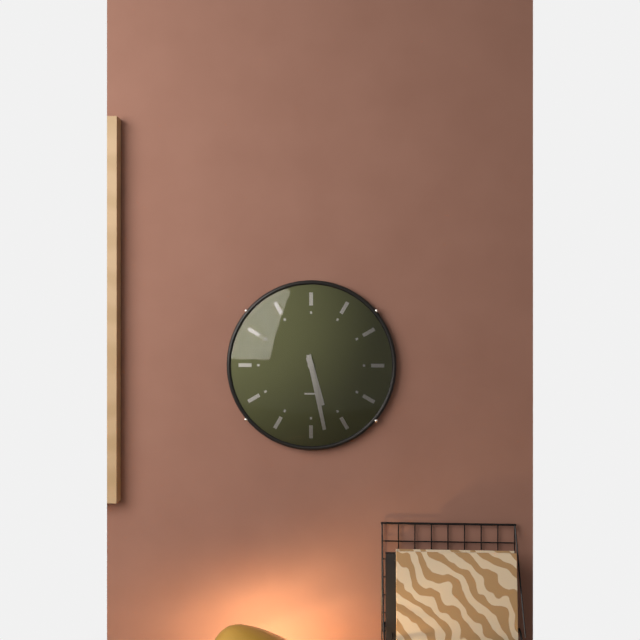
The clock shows h=5 m=28
